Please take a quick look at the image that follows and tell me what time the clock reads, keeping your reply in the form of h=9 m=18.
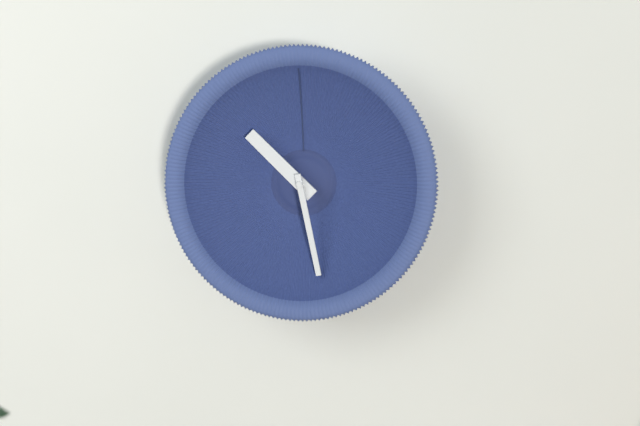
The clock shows h=10 m=28
